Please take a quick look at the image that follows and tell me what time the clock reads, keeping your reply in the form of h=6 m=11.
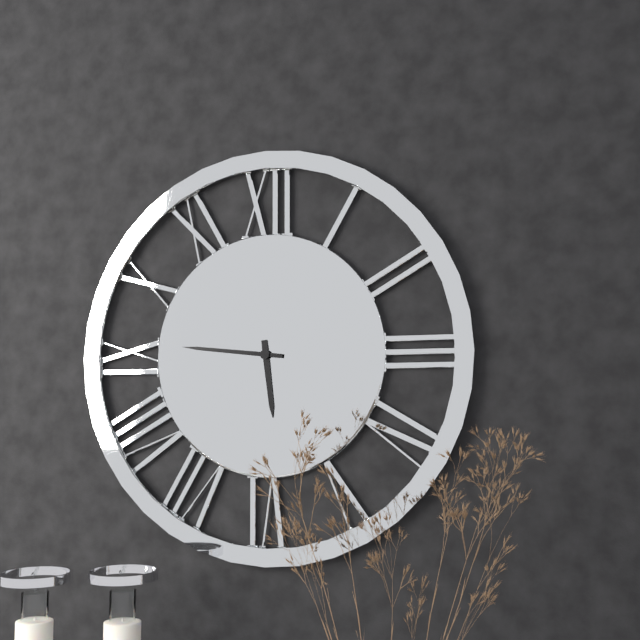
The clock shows h=5 m=46
